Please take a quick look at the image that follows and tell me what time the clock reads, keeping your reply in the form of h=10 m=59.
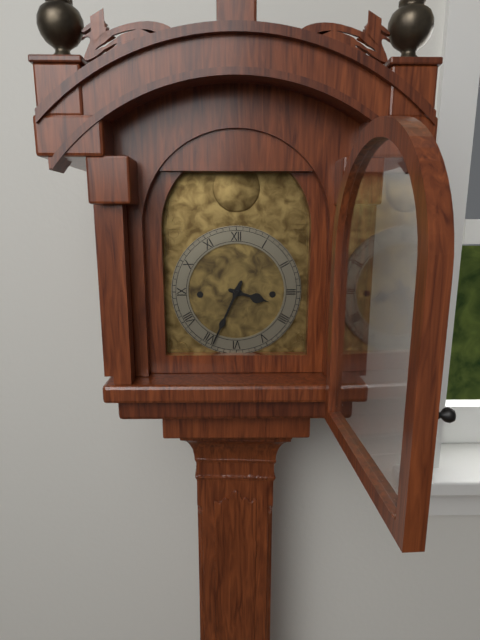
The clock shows h=3 m=34
